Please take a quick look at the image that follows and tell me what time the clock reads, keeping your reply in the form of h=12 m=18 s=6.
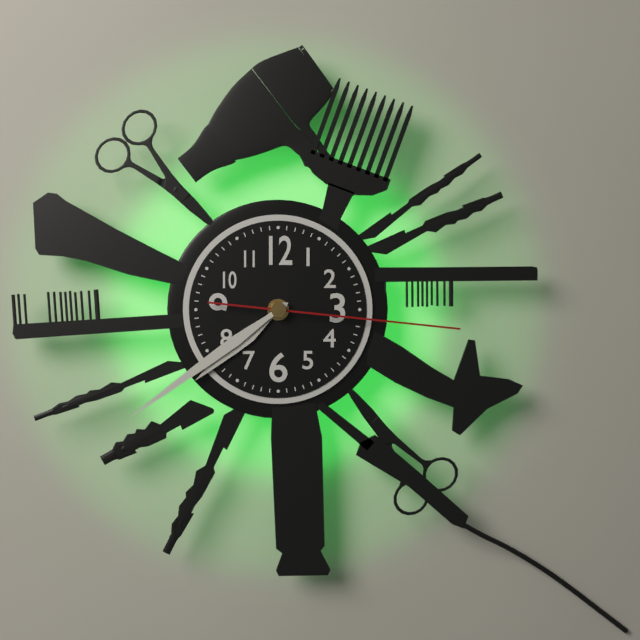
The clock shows h=7 m=39 s=16
